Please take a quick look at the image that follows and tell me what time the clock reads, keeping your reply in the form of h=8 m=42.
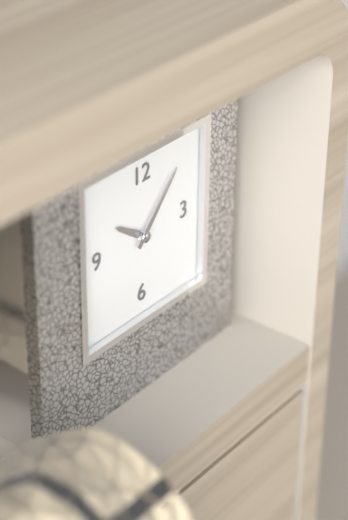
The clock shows h=10 m=7
